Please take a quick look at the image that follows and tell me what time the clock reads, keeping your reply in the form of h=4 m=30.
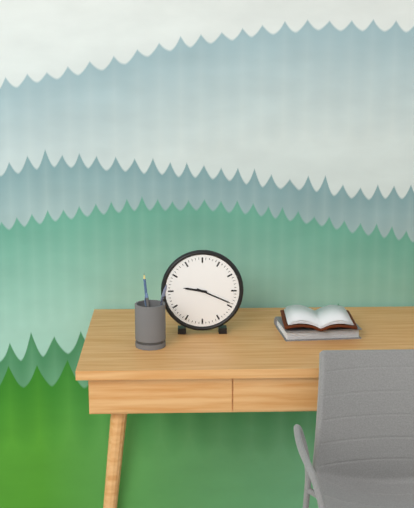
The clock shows h=9 m=19
